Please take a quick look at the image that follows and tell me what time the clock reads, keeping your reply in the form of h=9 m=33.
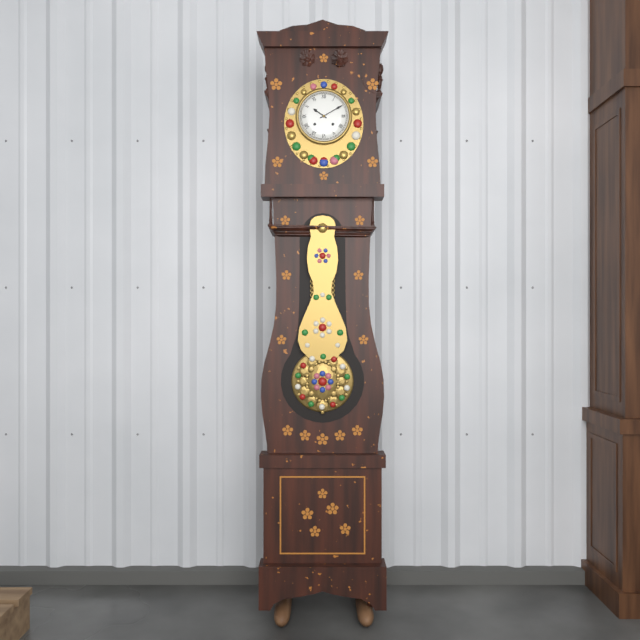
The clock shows h=10 m=10
